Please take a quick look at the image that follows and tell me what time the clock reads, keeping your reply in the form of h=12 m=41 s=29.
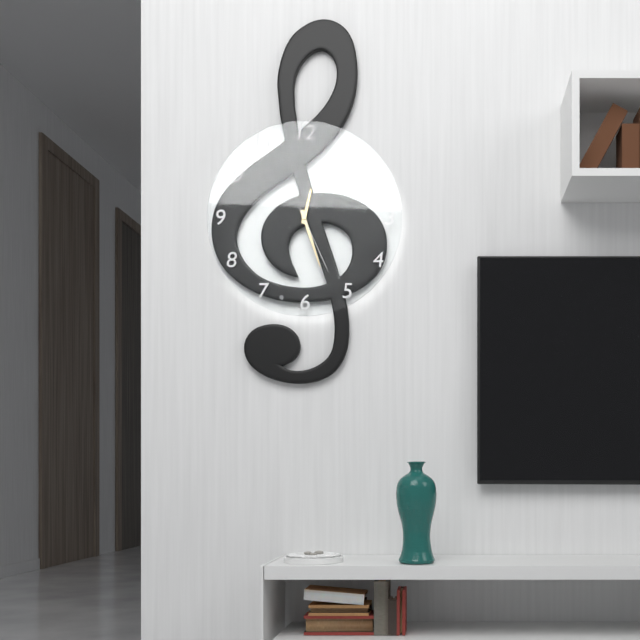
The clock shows h=12 m=27 s=26
